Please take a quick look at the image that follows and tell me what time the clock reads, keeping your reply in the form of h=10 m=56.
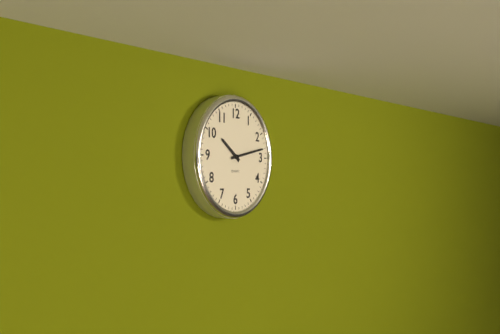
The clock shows h=10 m=13
